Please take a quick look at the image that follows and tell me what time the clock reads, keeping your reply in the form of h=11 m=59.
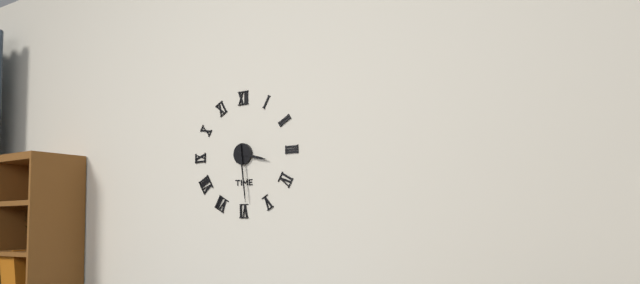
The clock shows h=3 m=29
